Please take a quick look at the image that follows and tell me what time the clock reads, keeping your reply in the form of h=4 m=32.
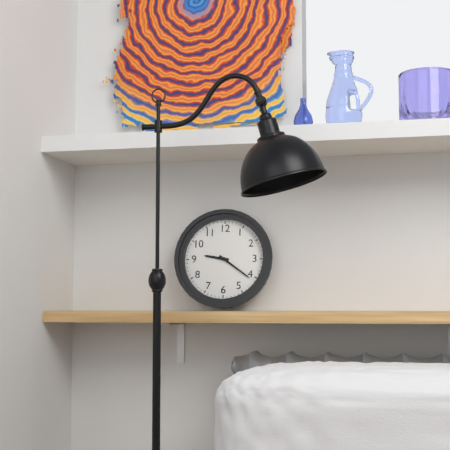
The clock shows h=9 m=21
